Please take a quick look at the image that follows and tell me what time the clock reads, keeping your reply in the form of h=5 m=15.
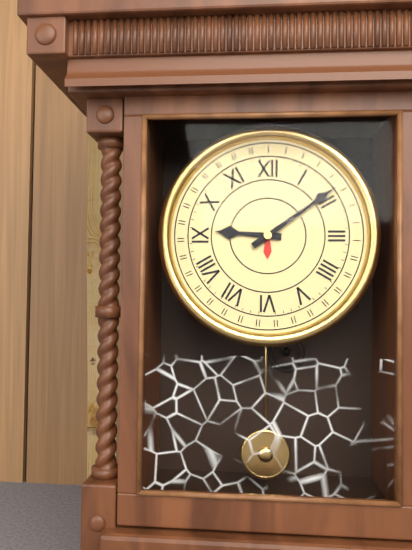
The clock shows h=9 m=9
